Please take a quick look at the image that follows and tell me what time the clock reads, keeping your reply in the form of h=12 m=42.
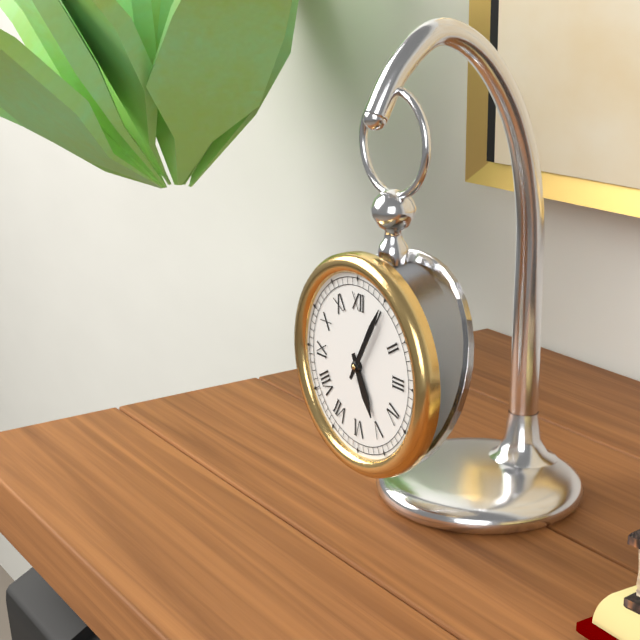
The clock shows h=5 m=5
